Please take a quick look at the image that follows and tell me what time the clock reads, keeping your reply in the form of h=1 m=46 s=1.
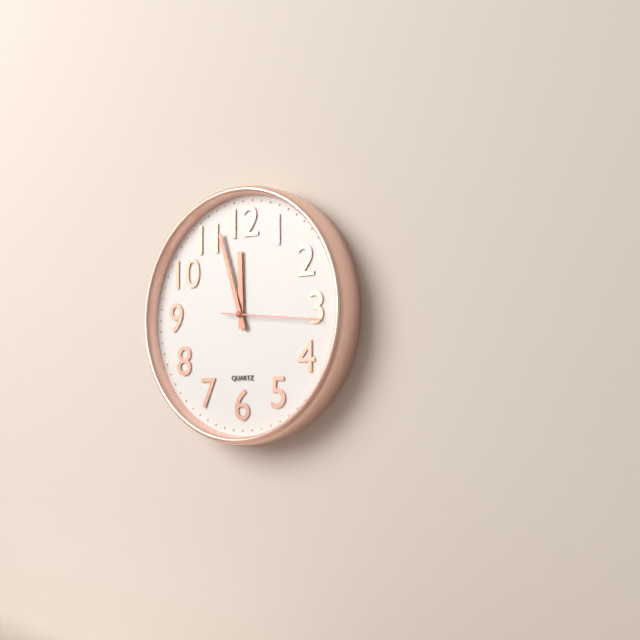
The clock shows h=11 m=57 s=16
